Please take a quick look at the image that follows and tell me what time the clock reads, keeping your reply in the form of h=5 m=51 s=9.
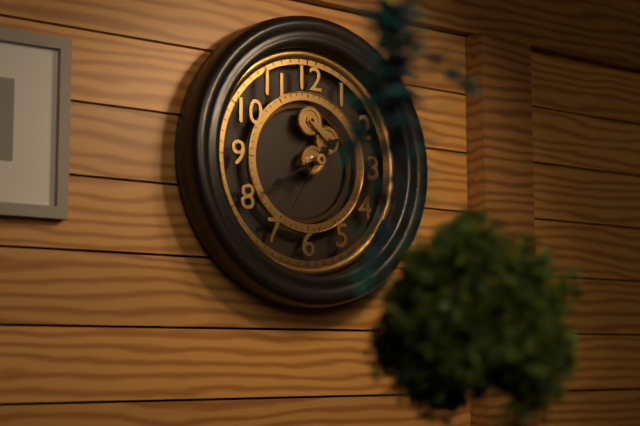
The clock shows h=1 m=40 s=35
